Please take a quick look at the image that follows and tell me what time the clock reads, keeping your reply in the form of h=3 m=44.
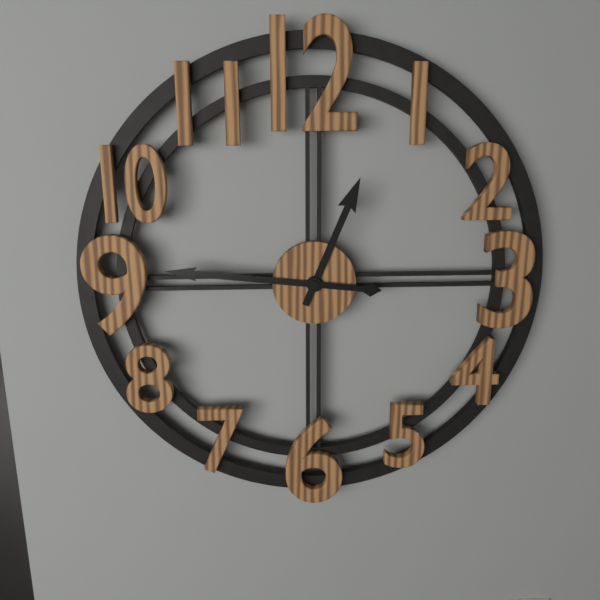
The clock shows h=12 m=46
